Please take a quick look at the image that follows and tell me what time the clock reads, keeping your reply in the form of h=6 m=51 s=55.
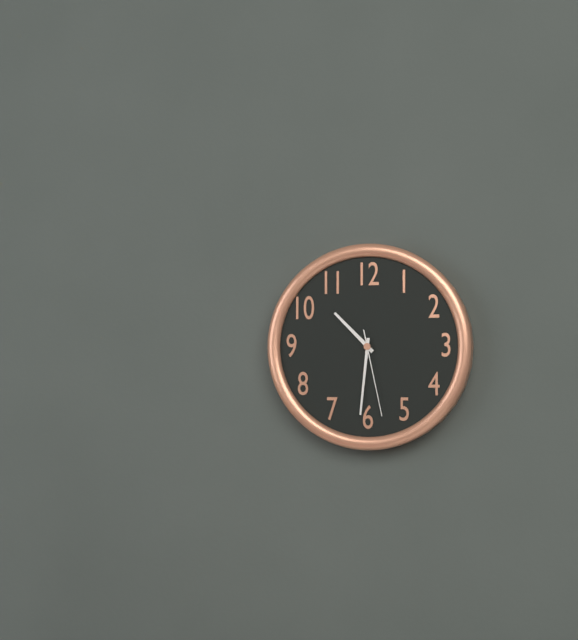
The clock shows h=10 m=31 s=28
